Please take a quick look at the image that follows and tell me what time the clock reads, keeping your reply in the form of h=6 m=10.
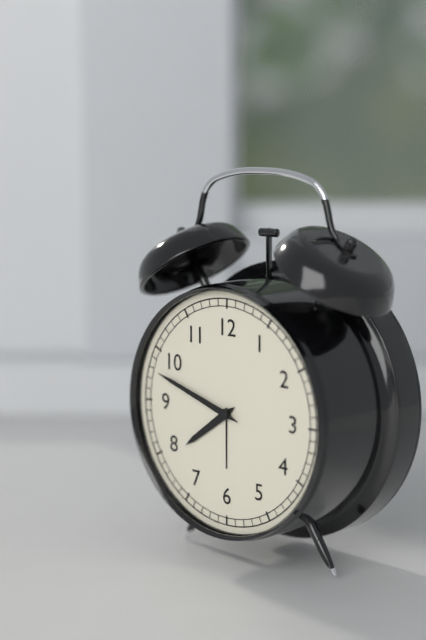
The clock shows h=7 m=48
